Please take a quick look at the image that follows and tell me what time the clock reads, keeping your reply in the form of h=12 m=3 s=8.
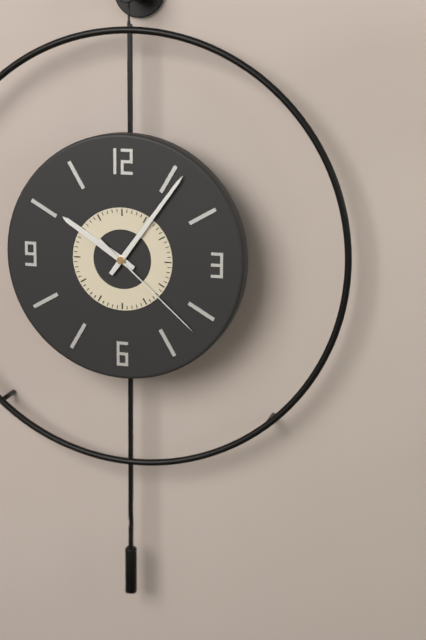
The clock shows h=10 m=6 s=22
